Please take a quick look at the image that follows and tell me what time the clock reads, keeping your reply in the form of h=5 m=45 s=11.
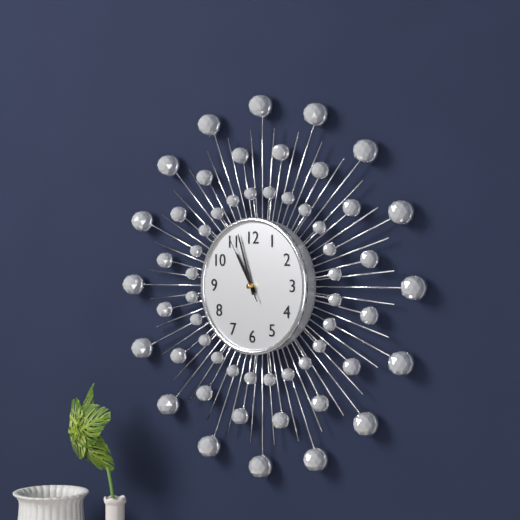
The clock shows h=10 m=57 s=55
